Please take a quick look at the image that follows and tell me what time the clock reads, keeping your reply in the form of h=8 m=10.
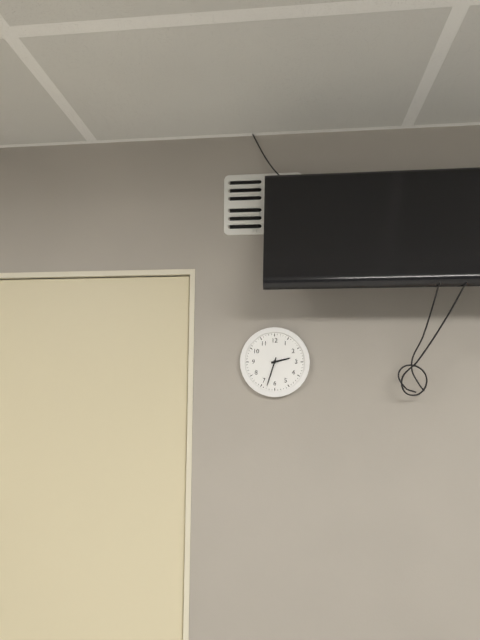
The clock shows h=2 m=33
